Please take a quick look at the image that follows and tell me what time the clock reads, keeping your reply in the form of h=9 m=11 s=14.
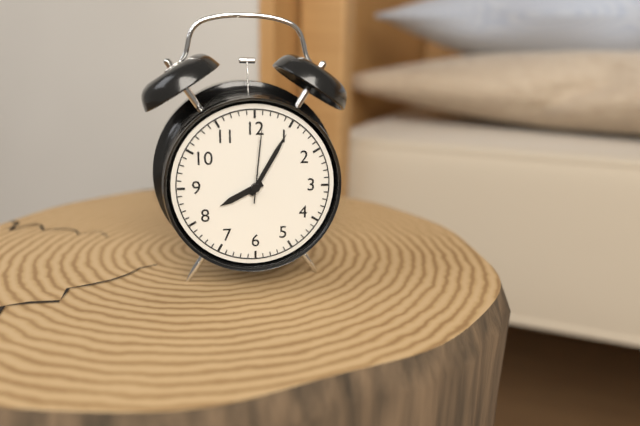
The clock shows h=8 m=5 s=1
